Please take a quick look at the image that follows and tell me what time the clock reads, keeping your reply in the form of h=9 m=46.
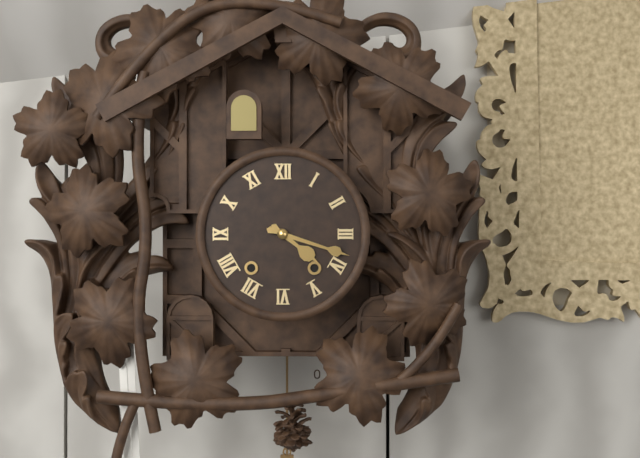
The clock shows h=4 m=18
